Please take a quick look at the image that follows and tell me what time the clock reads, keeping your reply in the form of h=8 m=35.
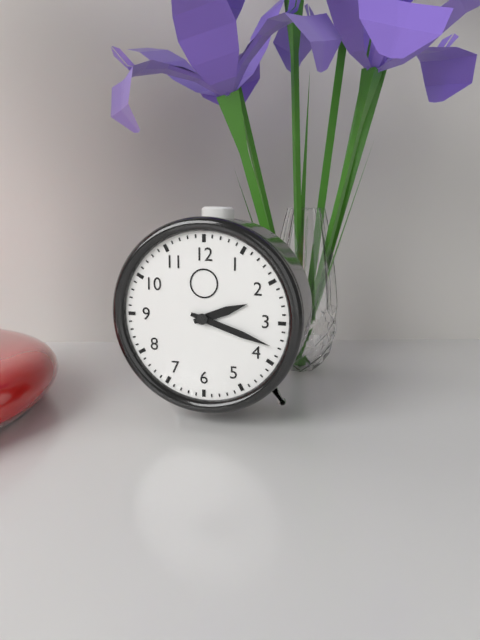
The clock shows h=2 m=18
